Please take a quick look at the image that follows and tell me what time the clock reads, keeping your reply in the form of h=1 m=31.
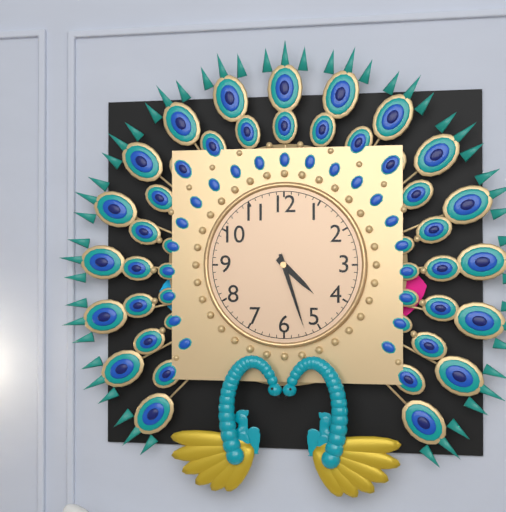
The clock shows h=4 m=27
